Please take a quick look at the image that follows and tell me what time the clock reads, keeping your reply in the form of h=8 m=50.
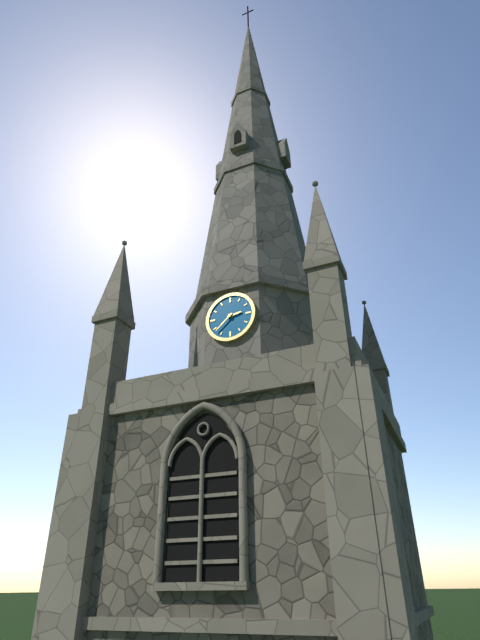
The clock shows h=2 m=38
